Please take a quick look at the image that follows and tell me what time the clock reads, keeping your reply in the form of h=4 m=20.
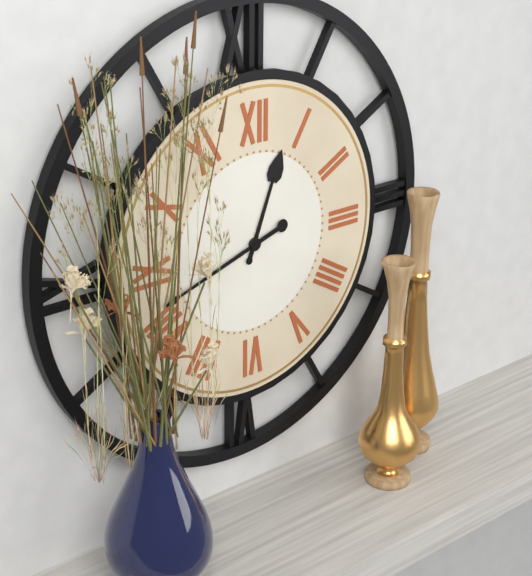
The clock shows h=12 m=42
